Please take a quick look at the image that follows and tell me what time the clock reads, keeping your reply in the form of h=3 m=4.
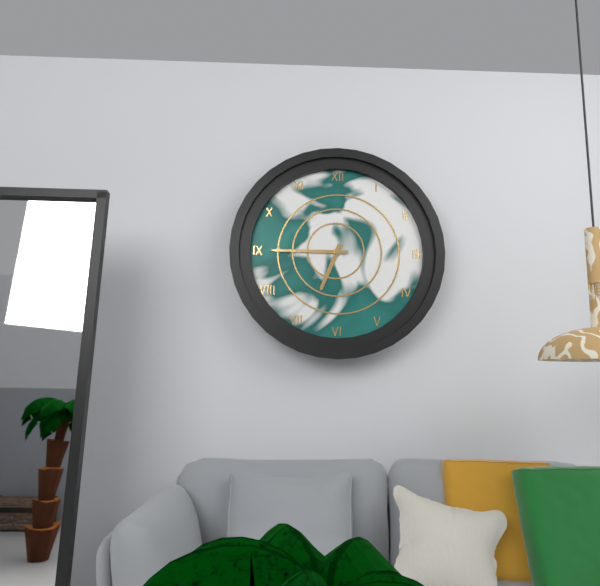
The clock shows h=6 m=45
